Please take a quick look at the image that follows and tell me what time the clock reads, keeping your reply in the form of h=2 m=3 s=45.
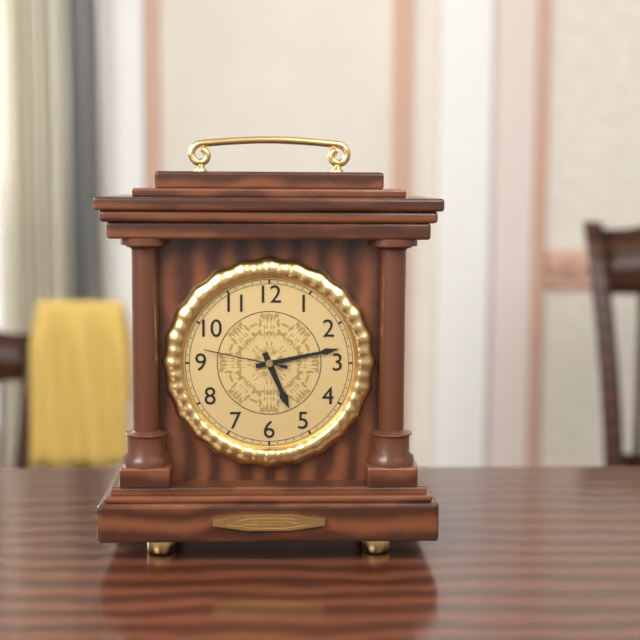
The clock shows h=5 m=13 s=47
